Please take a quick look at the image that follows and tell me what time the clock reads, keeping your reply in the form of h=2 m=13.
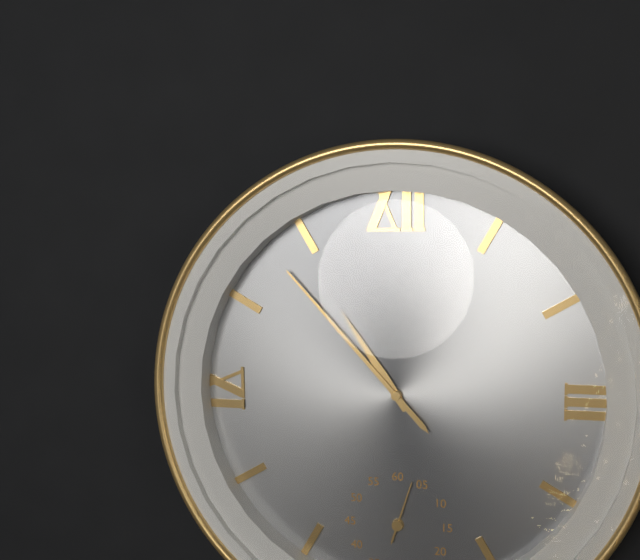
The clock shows h=10 m=53
